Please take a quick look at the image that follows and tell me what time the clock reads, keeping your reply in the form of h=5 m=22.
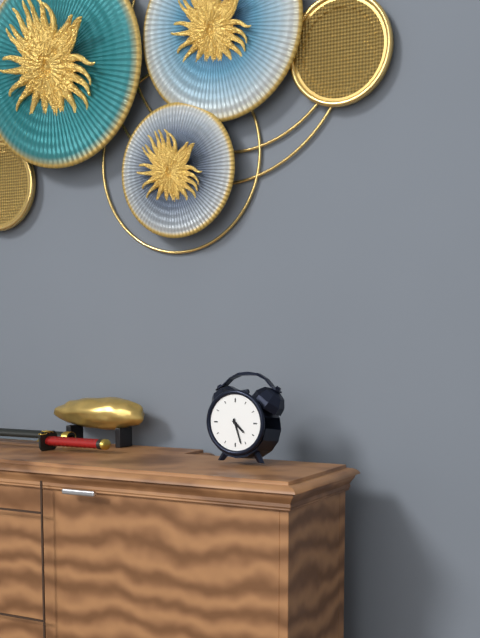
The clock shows h=4 m=27
